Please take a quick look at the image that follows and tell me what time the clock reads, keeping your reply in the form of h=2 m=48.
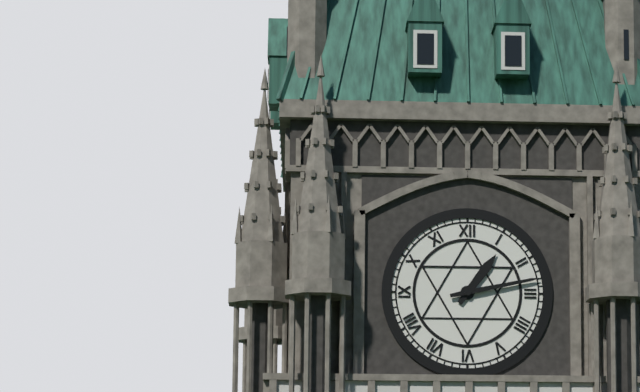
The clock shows h=1 m=13
